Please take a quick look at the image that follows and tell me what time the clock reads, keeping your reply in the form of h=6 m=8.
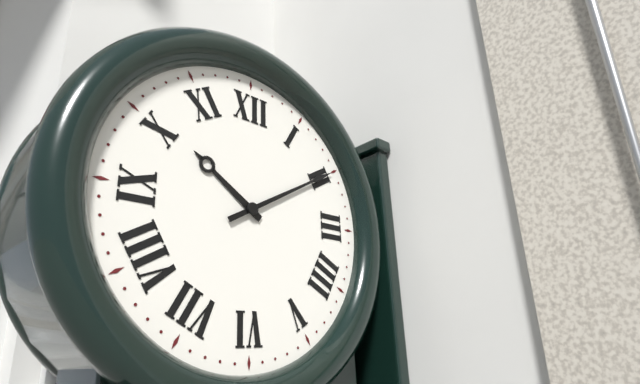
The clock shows h=10 m=10
